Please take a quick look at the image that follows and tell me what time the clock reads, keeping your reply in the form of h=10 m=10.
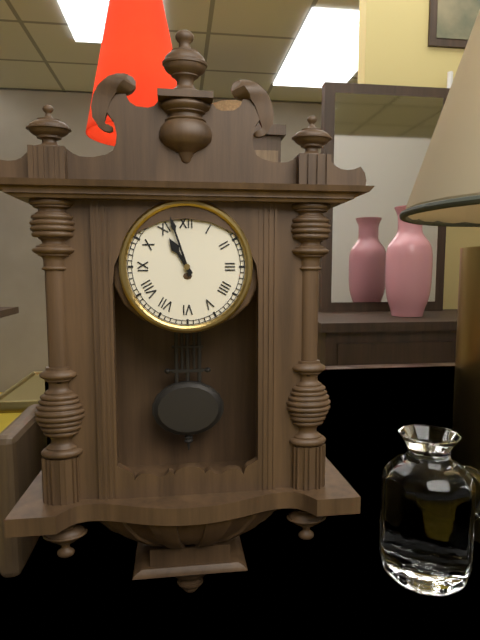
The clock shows h=10 m=57
